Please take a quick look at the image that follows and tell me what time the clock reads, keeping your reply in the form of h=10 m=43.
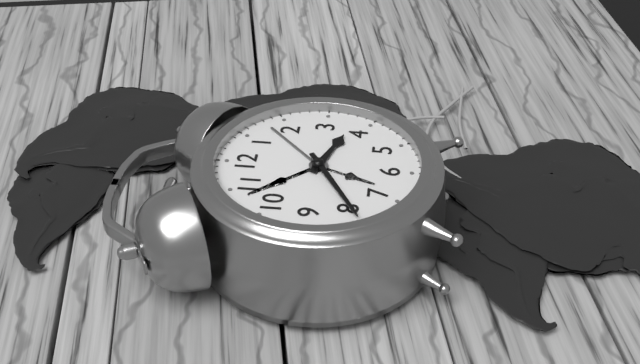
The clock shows h=3 m=40
